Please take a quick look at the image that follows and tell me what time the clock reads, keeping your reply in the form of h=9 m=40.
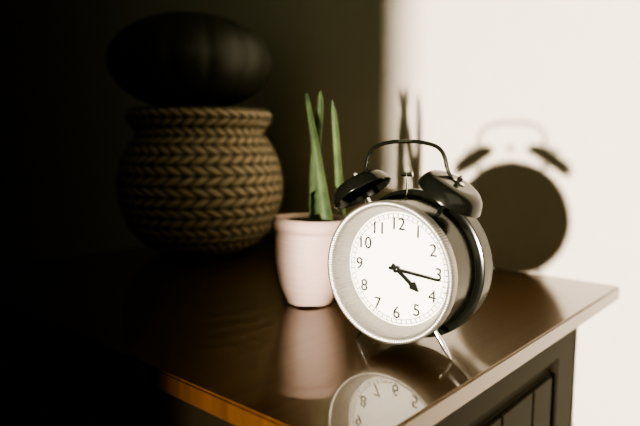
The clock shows h=4 m=16
